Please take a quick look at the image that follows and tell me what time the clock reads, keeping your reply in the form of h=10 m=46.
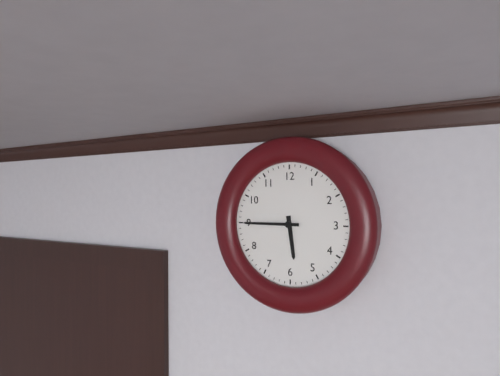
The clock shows h=5 m=45
